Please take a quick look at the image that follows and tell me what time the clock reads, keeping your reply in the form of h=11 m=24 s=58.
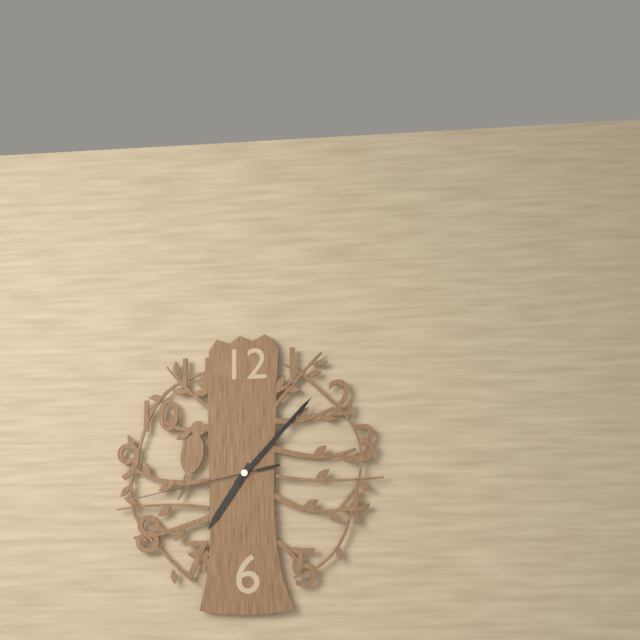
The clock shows h=7 m=7 s=43
